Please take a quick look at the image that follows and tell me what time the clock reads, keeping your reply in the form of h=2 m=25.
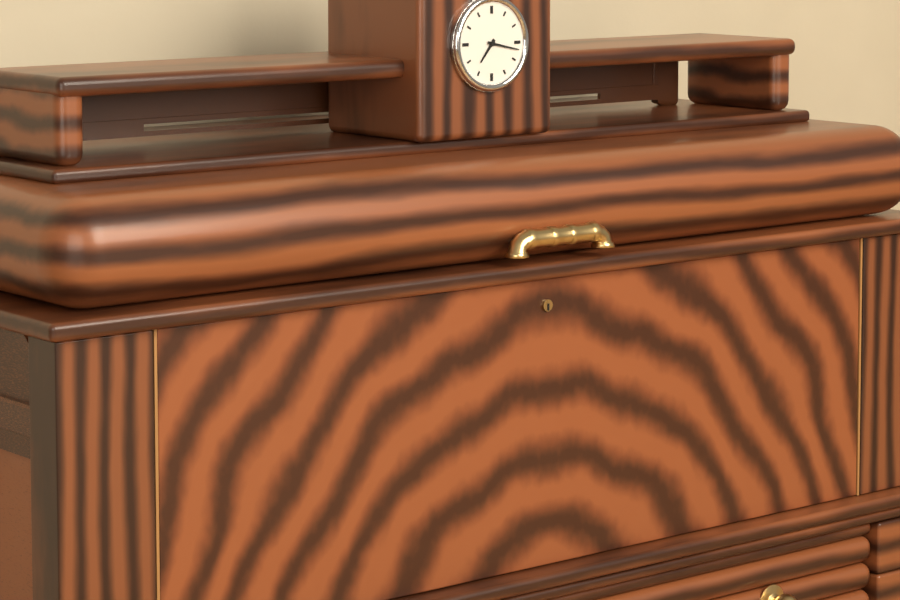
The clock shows h=7 m=17
